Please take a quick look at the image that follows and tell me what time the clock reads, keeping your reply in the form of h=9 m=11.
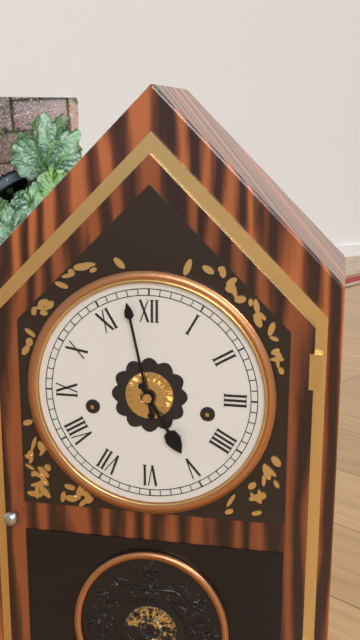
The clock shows h=4 m=58
